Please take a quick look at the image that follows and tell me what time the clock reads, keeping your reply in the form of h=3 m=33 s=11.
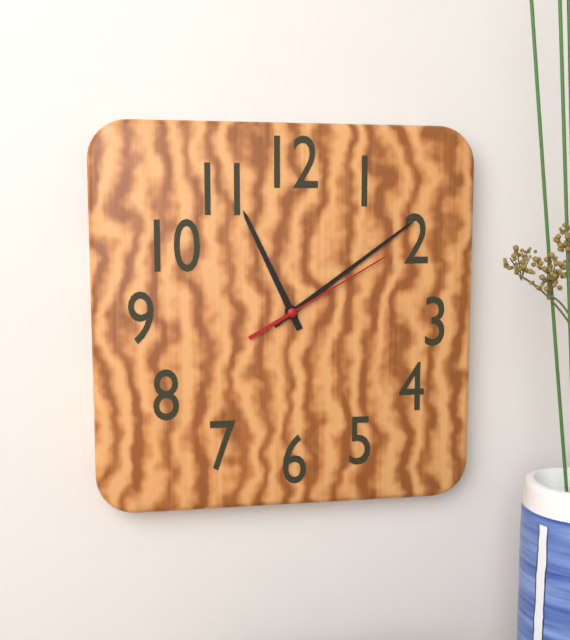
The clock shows h=11 m=9 s=10
